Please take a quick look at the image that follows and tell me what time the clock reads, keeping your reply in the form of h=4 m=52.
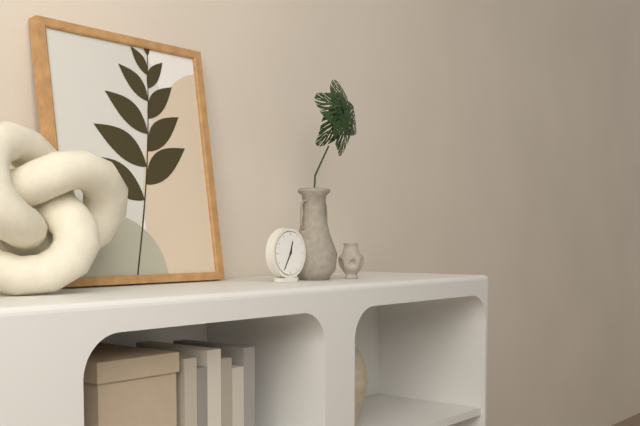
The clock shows h=12 m=35
